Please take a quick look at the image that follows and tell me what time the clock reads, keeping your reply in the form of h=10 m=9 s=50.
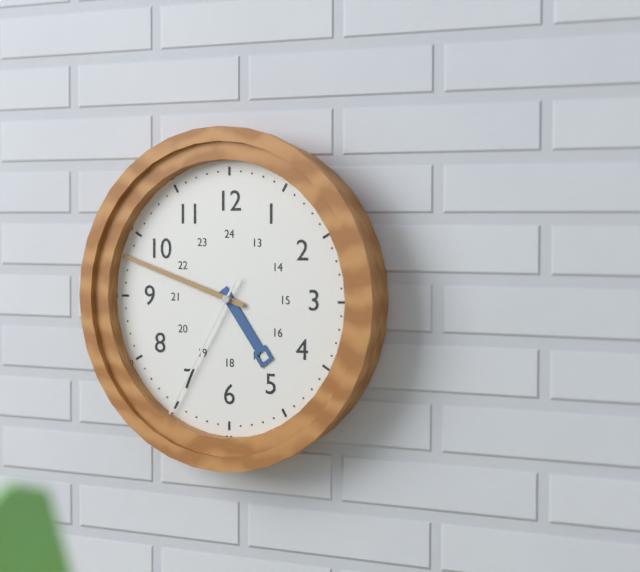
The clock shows h=4 m=48 s=35
